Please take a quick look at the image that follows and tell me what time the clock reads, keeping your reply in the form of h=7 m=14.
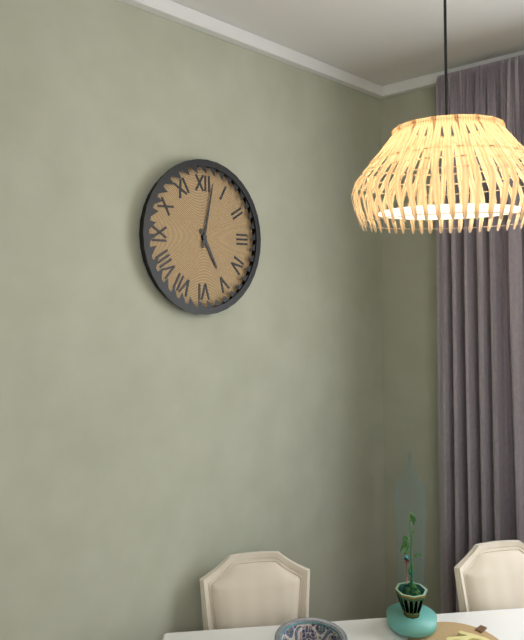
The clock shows h=5 m=2
